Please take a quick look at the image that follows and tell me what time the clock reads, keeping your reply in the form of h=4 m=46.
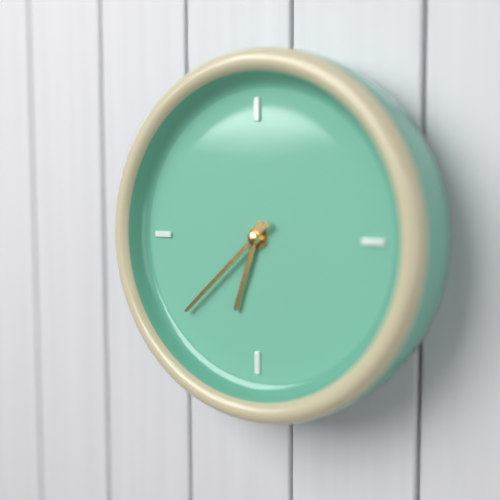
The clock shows h=6 m=38
